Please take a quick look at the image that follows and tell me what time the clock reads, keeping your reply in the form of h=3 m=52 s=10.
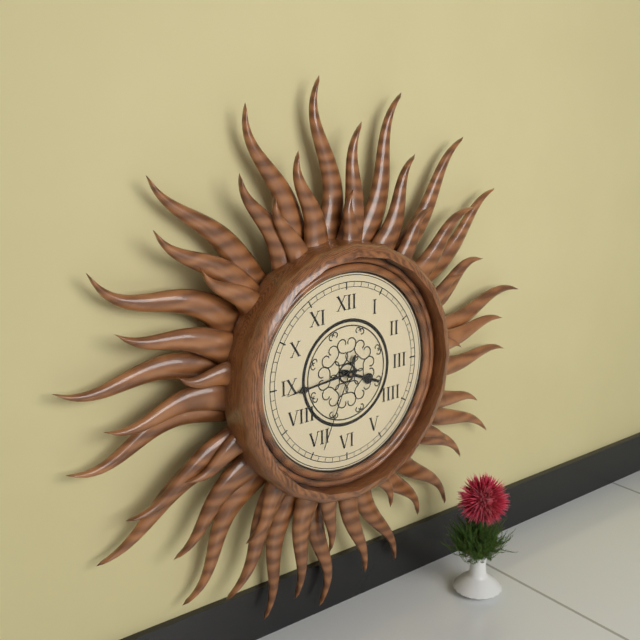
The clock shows h=3 m=44 s=34
